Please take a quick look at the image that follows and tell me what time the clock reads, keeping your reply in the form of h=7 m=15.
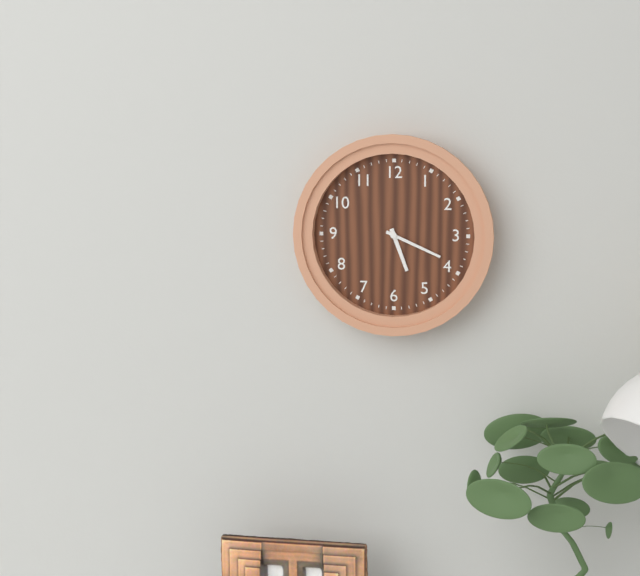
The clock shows h=5 m=19
